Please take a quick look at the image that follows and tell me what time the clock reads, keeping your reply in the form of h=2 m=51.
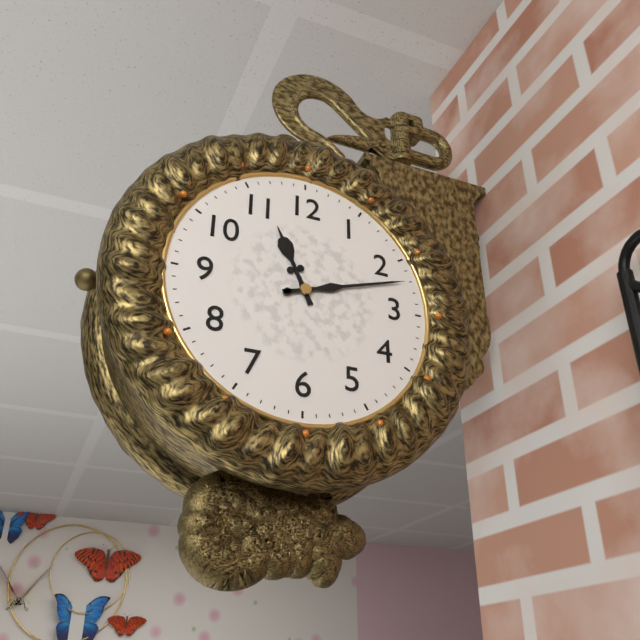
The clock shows h=11 m=12
